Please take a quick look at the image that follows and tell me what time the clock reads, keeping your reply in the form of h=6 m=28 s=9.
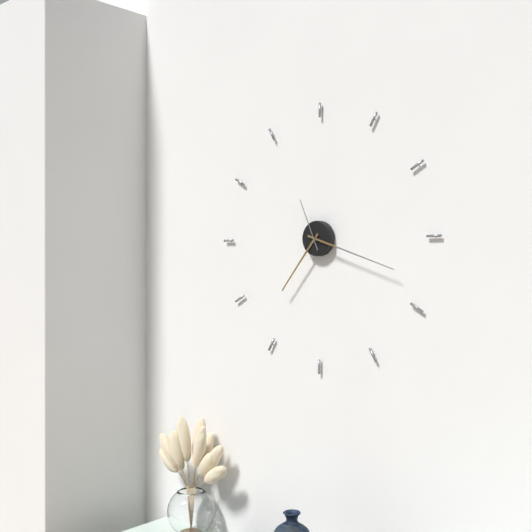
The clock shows h=7 m=18 s=56
